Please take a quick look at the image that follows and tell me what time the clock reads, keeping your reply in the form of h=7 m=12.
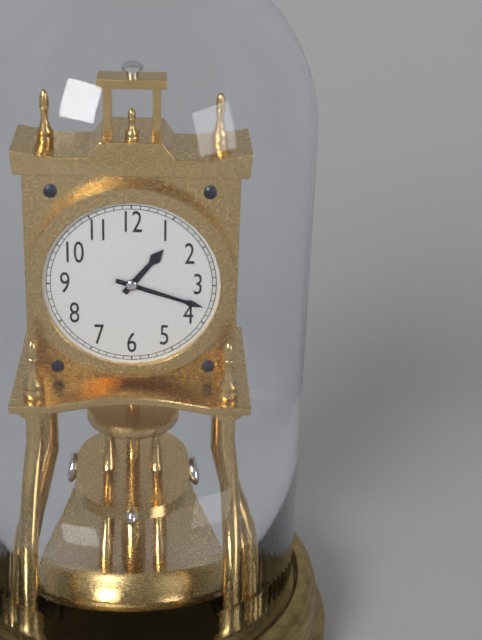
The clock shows h=1 m=18
